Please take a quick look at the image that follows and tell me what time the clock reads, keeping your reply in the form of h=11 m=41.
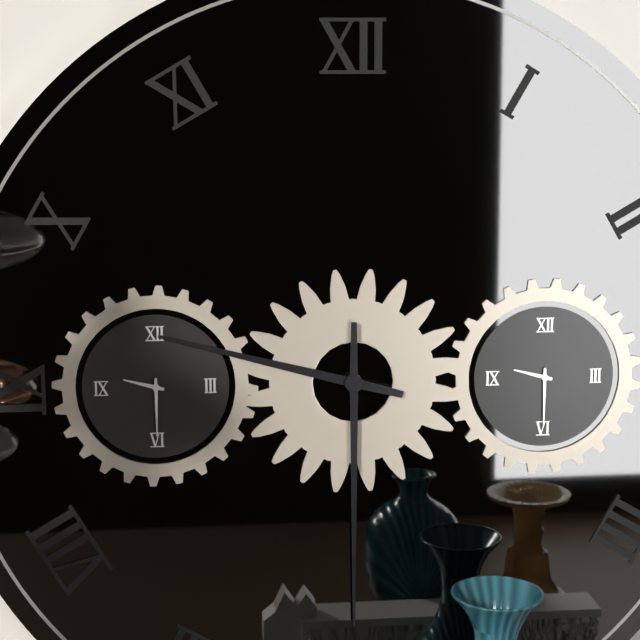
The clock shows h=9 m=30
